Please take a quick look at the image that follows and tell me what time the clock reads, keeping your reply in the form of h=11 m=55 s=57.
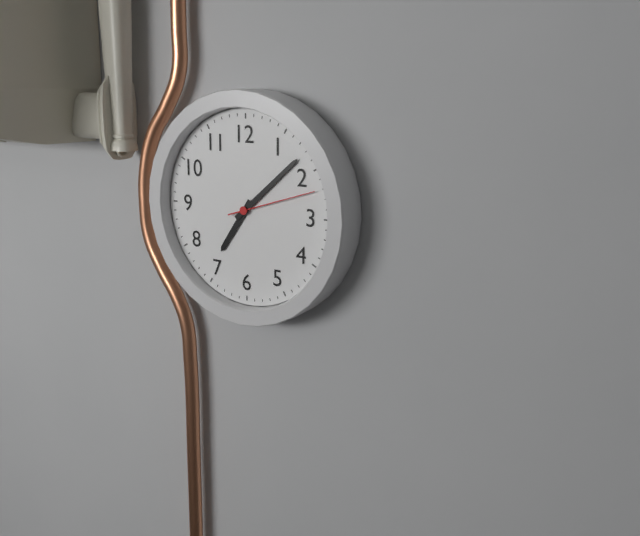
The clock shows h=7 m=8 s=12
